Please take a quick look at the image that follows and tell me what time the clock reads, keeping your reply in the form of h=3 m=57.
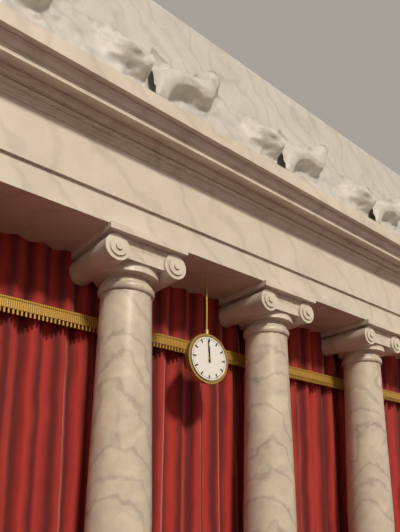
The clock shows h=11 m=59
